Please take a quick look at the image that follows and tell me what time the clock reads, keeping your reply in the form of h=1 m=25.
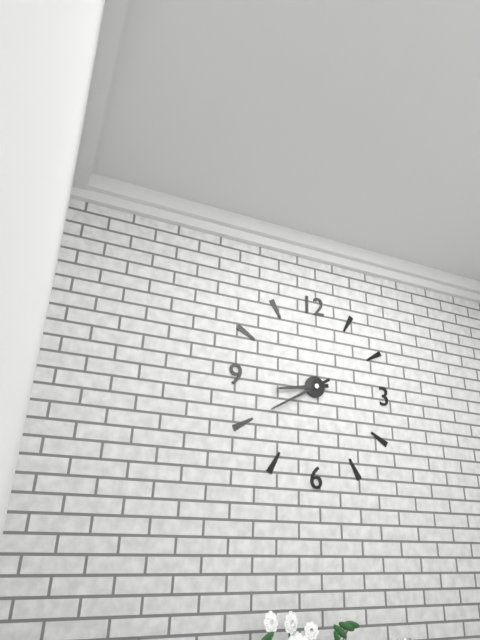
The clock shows h=8 m=40
